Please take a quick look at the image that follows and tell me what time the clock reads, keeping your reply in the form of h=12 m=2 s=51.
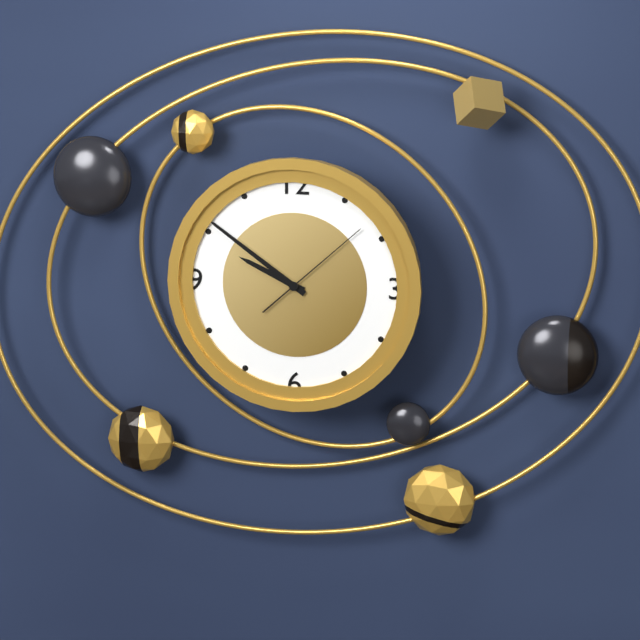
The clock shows h=9 m=51 s=8
